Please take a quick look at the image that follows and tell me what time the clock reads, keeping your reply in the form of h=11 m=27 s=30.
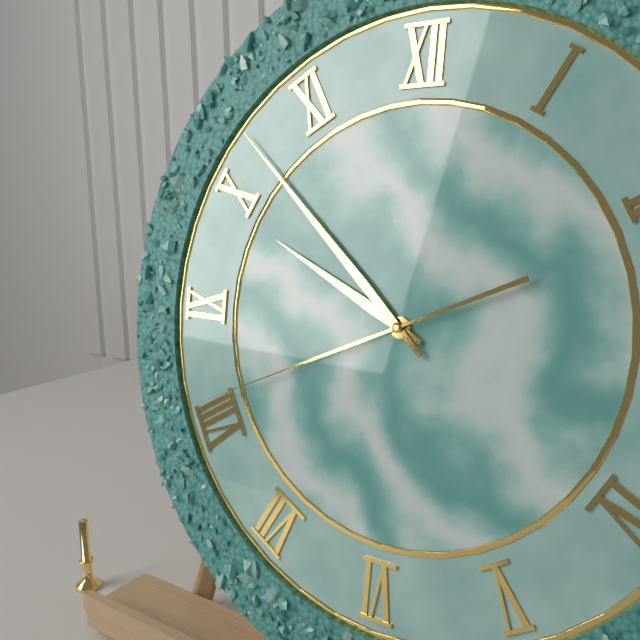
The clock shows h=9 m=52 s=41
